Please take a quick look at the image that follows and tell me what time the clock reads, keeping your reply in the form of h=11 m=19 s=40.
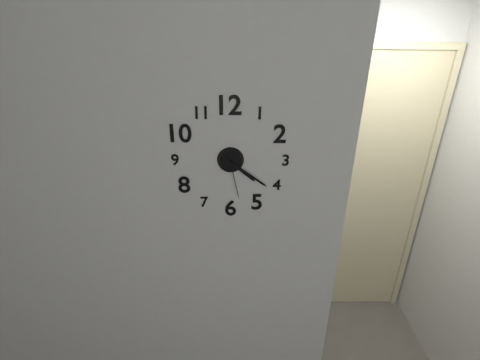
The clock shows h=4 m=21 s=28
